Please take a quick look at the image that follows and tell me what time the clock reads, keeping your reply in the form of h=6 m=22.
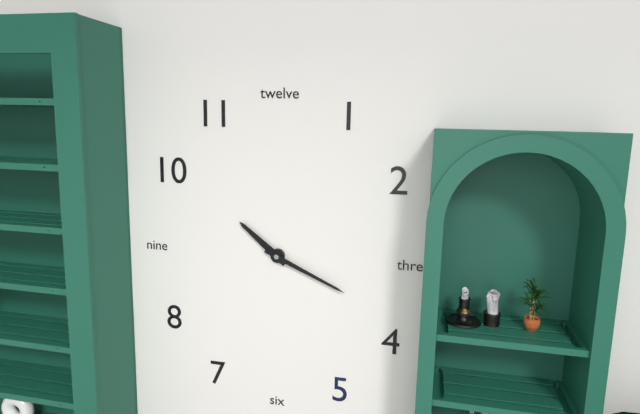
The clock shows h=10 m=19
